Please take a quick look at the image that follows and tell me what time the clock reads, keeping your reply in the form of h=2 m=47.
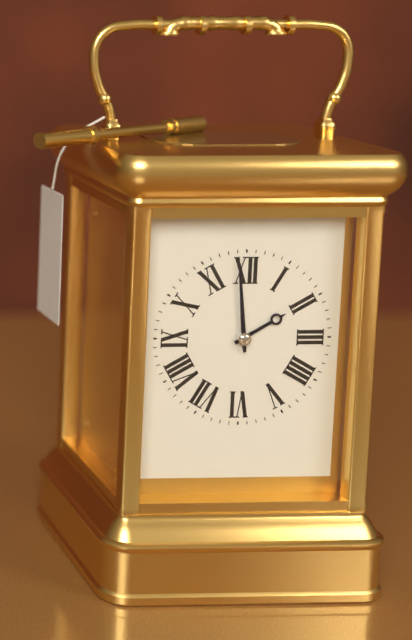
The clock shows h=1 m=59
